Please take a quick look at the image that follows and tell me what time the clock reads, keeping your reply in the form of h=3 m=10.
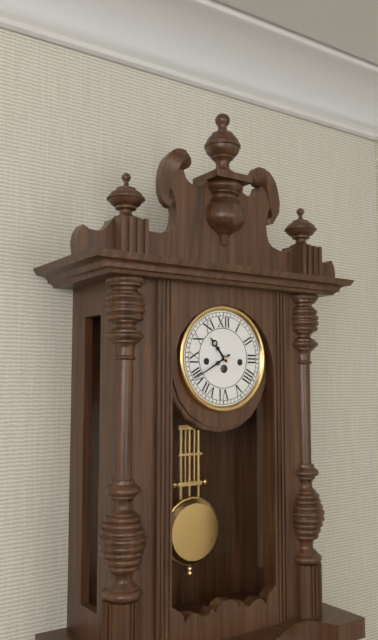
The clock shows h=10 m=40
